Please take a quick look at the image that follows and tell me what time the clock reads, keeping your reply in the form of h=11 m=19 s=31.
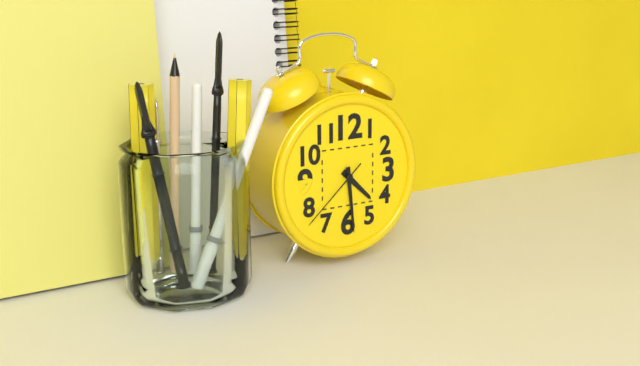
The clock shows h=4 m=29 s=38
